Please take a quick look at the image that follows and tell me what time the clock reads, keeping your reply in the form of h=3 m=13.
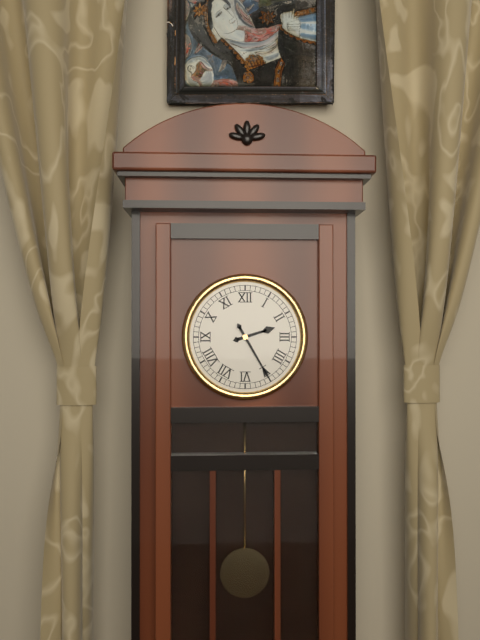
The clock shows h=2 m=25
